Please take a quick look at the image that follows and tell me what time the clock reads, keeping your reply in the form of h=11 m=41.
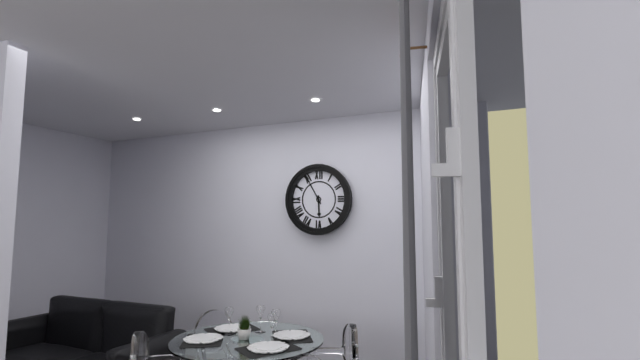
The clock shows h=5 m=55
